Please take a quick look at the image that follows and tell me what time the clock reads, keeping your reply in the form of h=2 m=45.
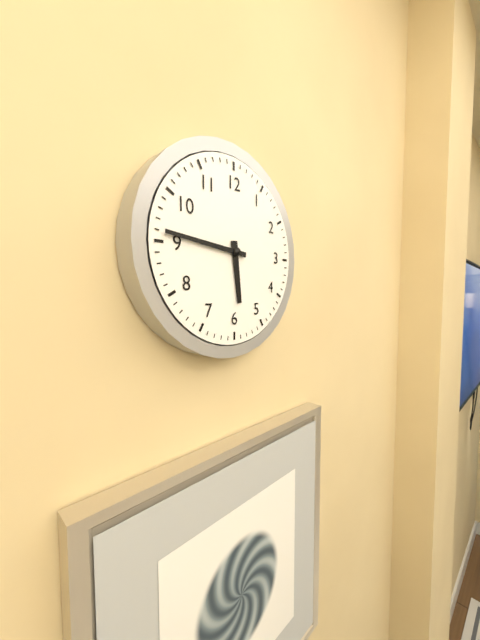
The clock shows h=5 m=46
